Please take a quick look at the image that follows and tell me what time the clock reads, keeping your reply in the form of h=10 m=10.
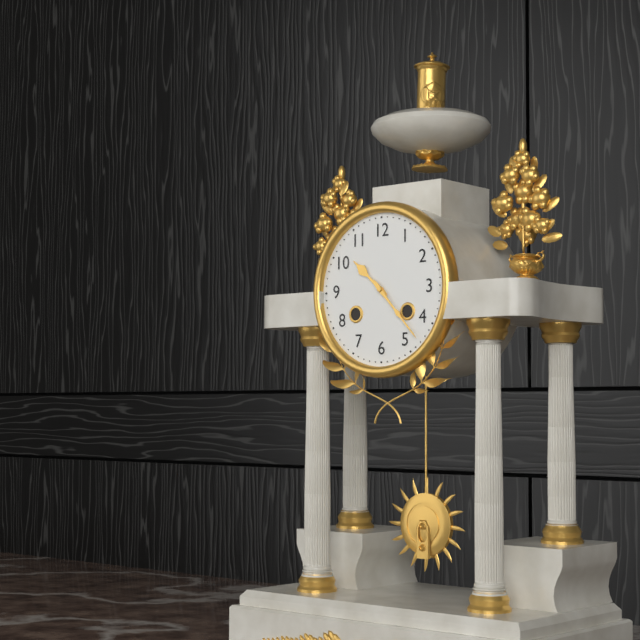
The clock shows h=10 m=23
